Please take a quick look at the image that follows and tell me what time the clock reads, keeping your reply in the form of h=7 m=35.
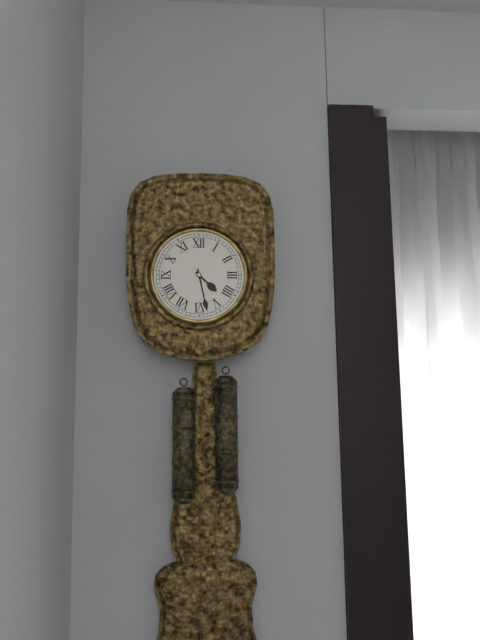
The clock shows h=4 m=28
